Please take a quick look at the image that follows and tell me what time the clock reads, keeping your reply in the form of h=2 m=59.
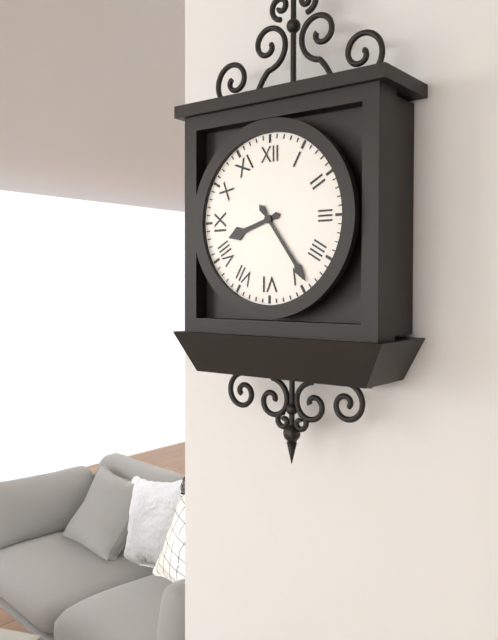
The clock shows h=8 m=24
